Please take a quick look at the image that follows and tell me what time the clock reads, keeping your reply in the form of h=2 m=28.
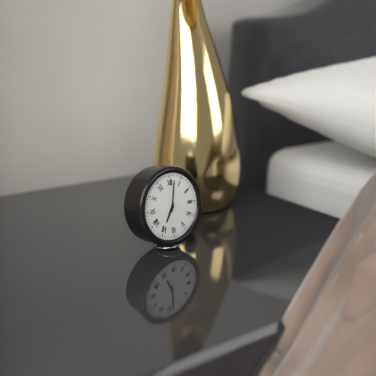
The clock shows h=7 m=2
